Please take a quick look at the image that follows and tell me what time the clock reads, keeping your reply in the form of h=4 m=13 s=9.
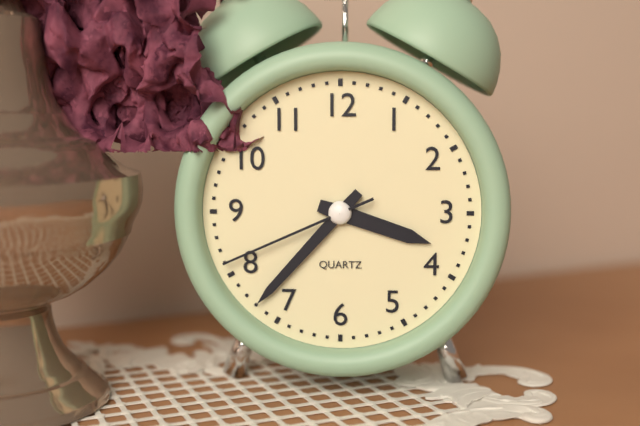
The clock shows h=3 m=37 s=41
